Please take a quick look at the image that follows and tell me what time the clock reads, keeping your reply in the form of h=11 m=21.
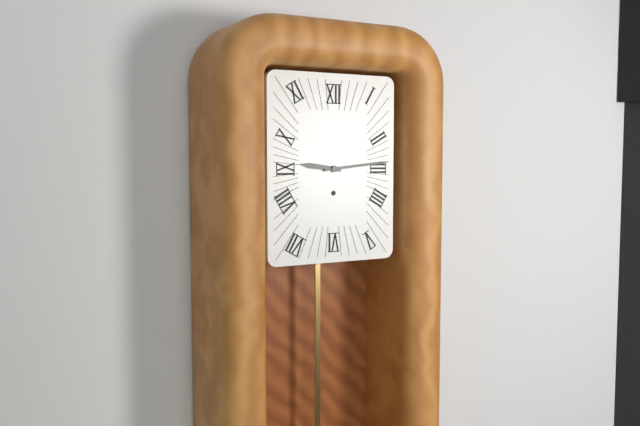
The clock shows h=9 m=14
